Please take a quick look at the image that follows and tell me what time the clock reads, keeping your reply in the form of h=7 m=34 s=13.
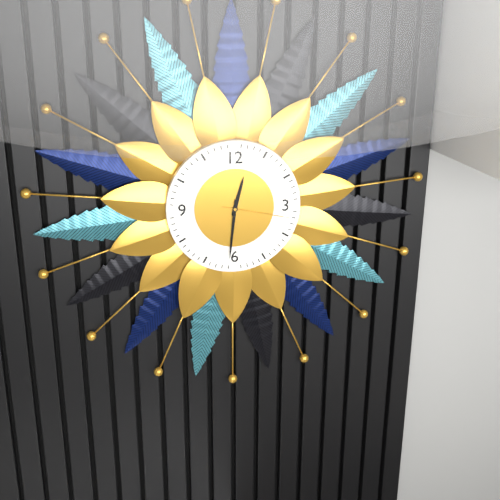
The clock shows h=12 m=31 s=17
